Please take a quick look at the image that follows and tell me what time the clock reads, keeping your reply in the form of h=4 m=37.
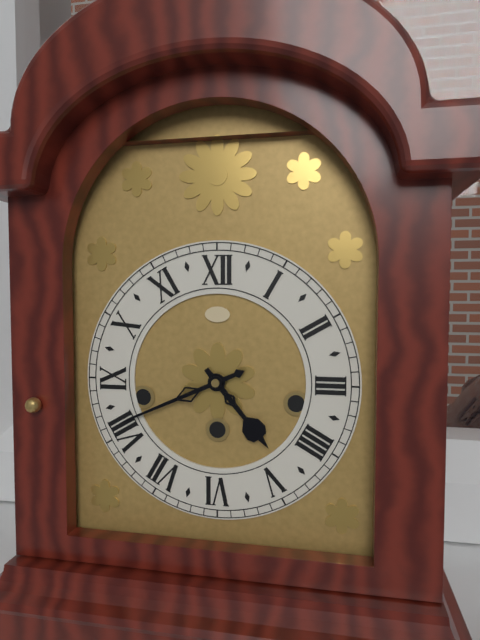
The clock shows h=4 m=41
